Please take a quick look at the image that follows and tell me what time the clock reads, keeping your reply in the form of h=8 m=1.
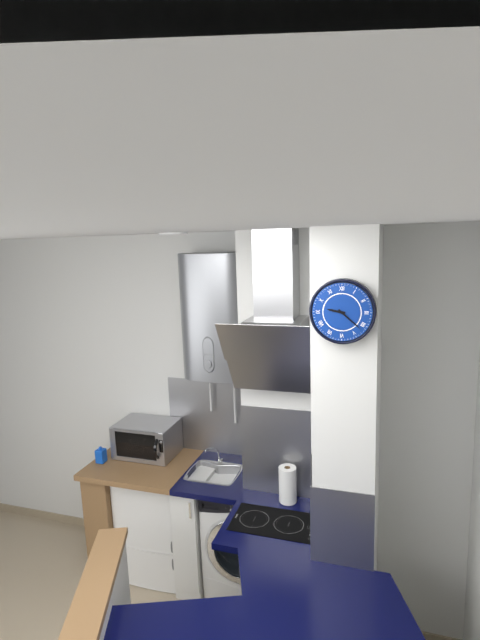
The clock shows h=9 m=22
